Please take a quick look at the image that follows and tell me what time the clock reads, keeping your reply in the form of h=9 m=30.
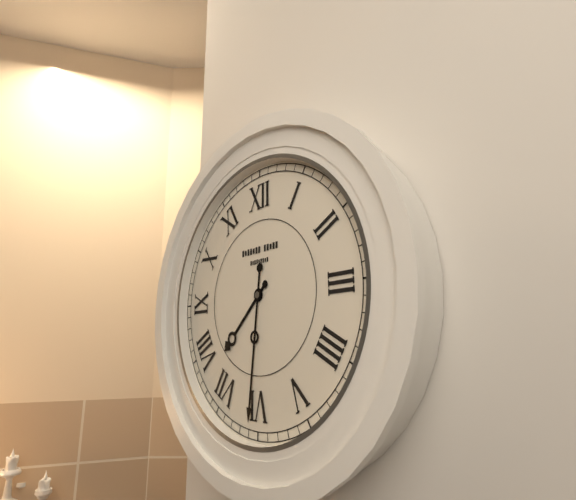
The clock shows h=7 m=31
